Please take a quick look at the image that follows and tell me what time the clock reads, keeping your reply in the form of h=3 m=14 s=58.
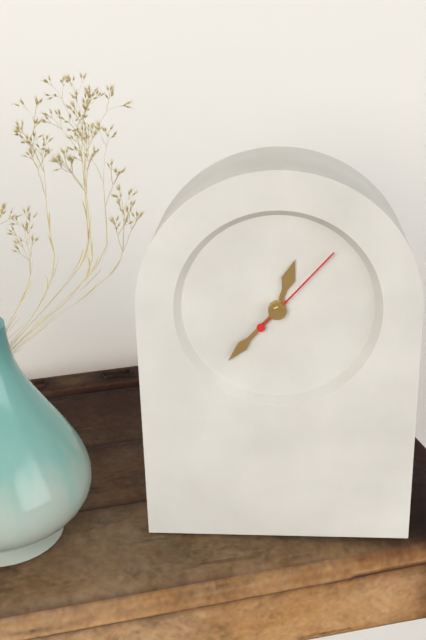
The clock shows h=12 m=37 s=7
